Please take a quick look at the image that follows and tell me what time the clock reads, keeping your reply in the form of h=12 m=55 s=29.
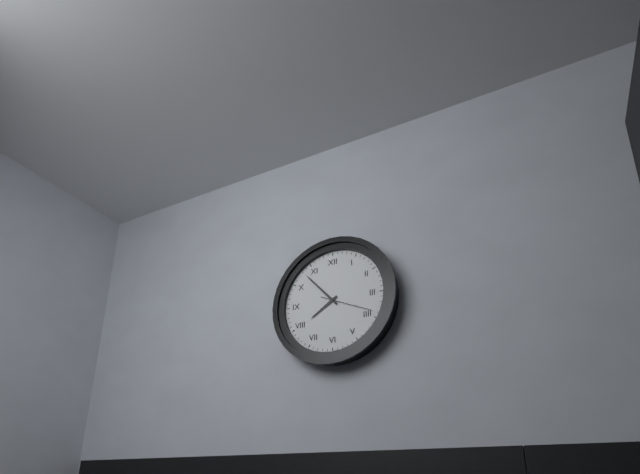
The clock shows h=7 m=53 s=19
